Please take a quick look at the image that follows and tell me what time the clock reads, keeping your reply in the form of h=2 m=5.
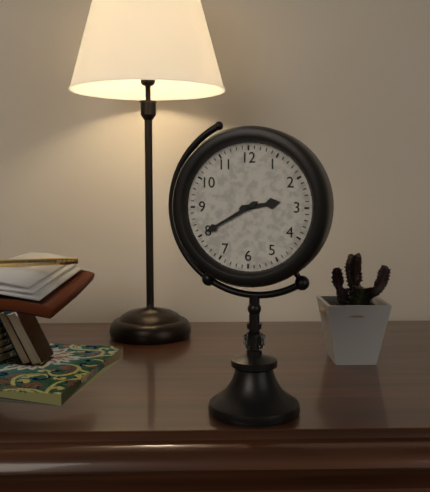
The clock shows h=2 m=40
